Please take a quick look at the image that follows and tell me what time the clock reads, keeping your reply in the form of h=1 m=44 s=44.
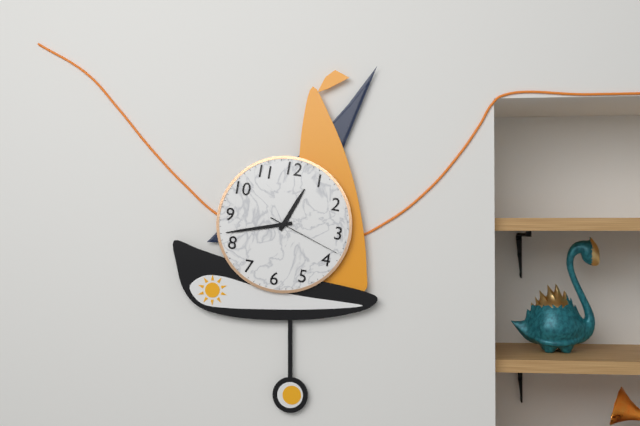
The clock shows h=12 m=42 s=18
